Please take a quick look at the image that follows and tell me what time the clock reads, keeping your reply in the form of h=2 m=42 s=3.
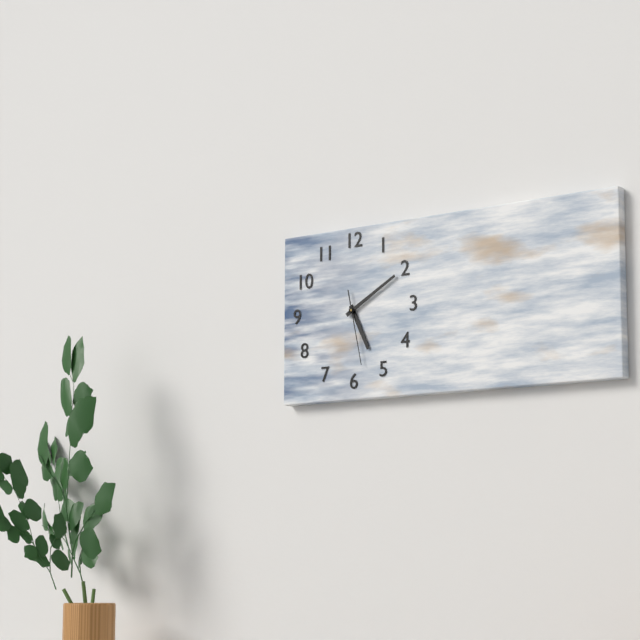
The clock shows h=5 m=10 s=28
